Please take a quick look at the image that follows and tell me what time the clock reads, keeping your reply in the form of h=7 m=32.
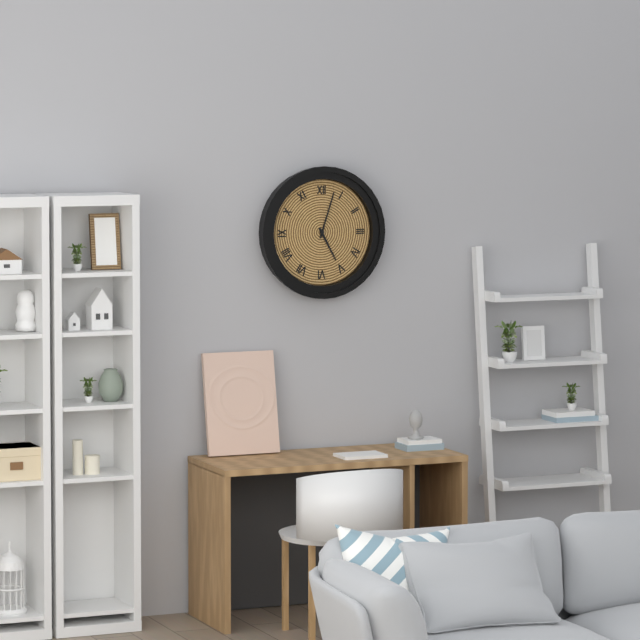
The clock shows h=5 m=3
